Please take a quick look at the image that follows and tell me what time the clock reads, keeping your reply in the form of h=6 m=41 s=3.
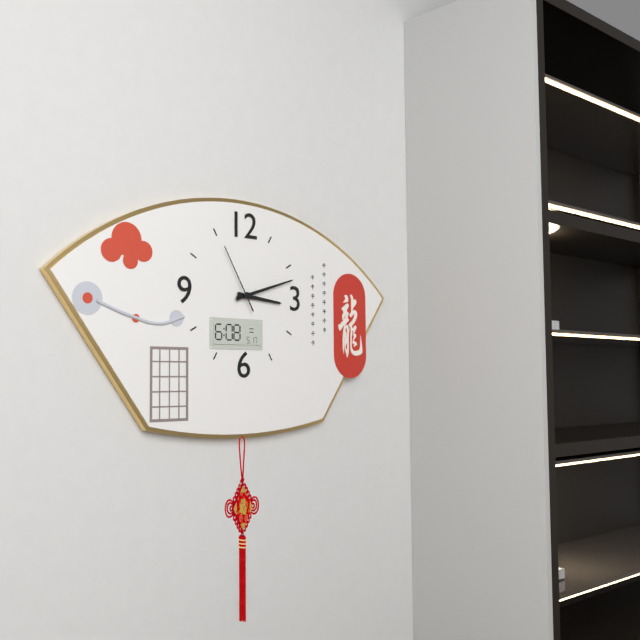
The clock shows h=3 m=12 s=55
